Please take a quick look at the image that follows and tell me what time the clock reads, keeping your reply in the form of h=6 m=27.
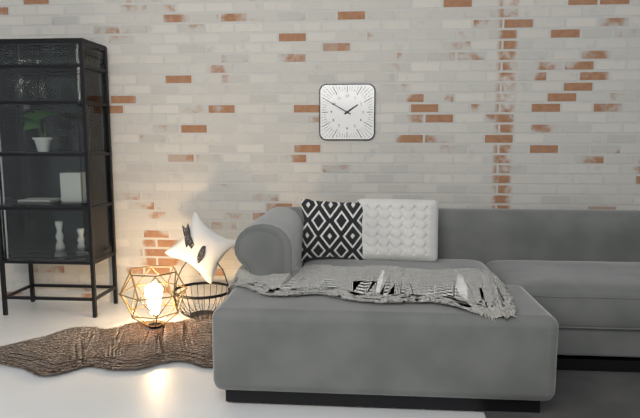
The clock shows h=1 m=50
